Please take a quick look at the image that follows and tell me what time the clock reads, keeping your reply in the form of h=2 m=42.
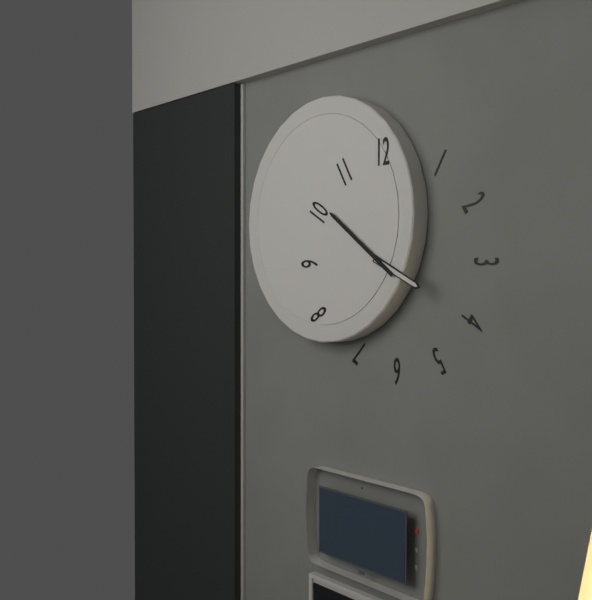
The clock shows h=3 m=51
